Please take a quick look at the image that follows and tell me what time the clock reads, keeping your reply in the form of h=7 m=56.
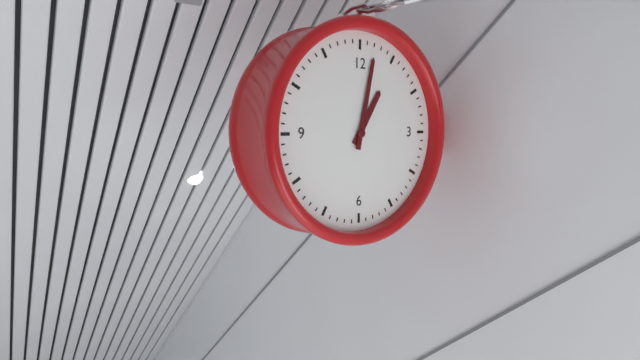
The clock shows h=1 m=2
